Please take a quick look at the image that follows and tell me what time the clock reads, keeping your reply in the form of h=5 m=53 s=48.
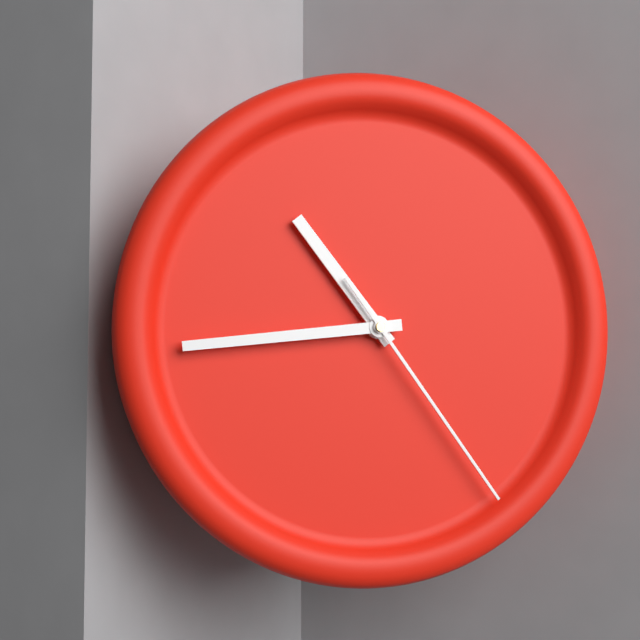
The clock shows h=10 m=44 s=24
